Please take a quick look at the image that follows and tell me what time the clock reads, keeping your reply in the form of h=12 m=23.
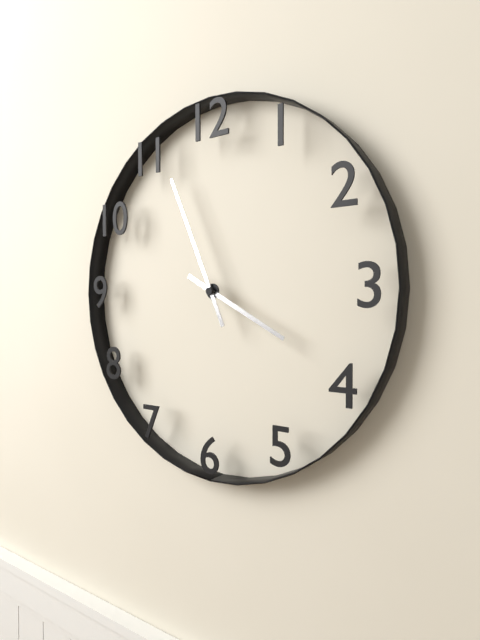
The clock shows h=3 m=56
